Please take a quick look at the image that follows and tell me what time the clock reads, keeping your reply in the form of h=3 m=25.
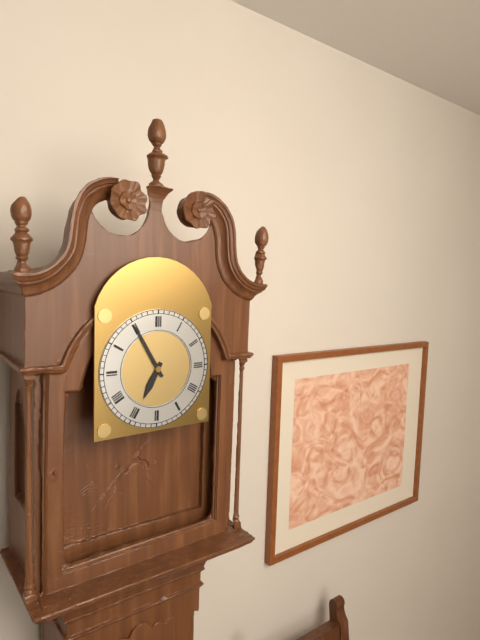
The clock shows h=6 m=55
